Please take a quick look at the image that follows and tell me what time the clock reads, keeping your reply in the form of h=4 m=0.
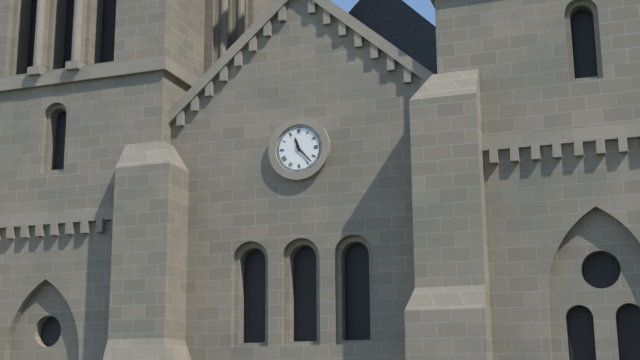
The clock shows h=11 m=23
